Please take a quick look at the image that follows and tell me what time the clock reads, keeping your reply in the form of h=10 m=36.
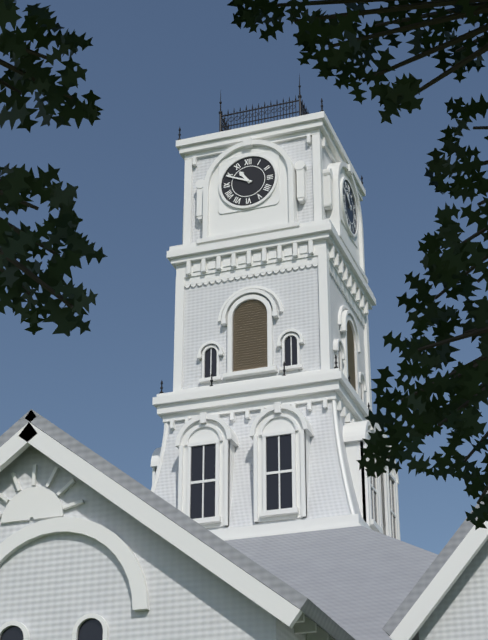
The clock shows h=10 m=49
